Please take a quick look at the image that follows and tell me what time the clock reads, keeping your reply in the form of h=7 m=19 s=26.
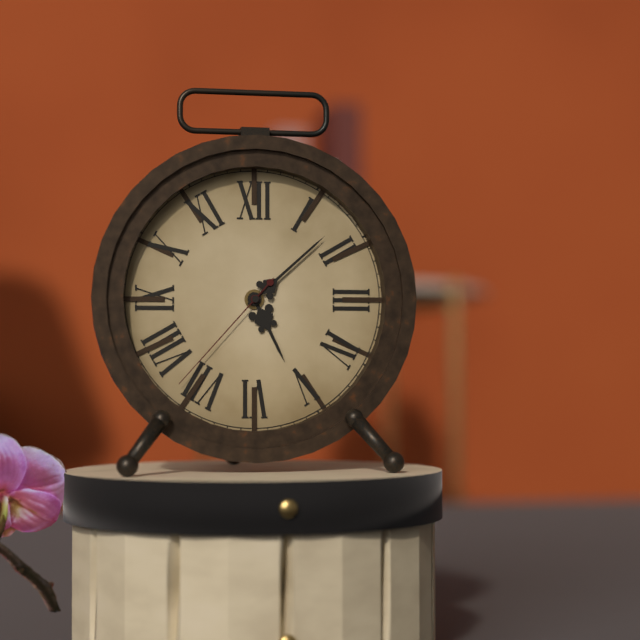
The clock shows h=5 m=8 s=37
